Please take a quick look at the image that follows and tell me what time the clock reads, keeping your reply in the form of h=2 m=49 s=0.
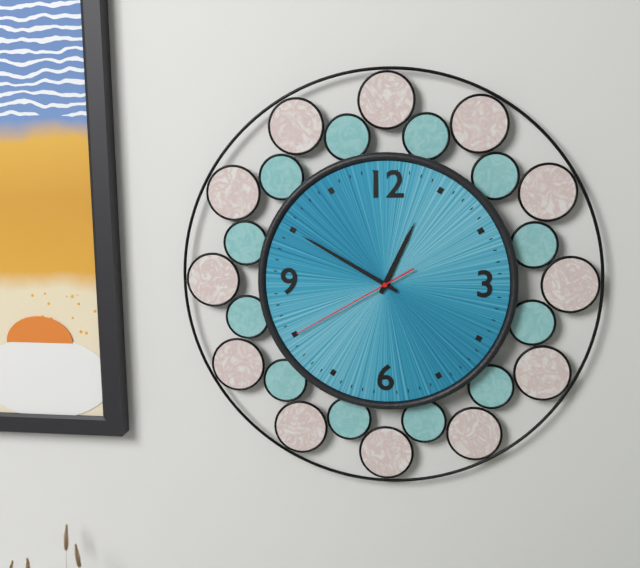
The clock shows h=12 m=50 s=40
